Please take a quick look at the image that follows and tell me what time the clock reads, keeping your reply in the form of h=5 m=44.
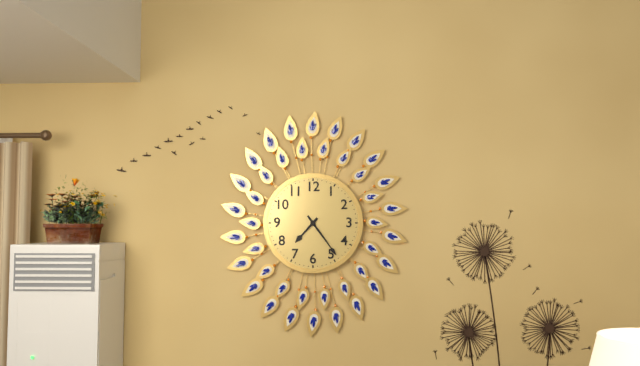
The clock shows h=7 m=24
